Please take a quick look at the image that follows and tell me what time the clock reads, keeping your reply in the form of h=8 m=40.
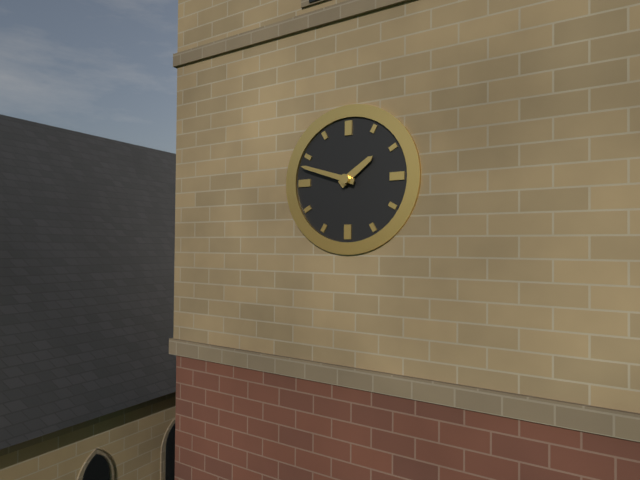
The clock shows h=1 m=48
